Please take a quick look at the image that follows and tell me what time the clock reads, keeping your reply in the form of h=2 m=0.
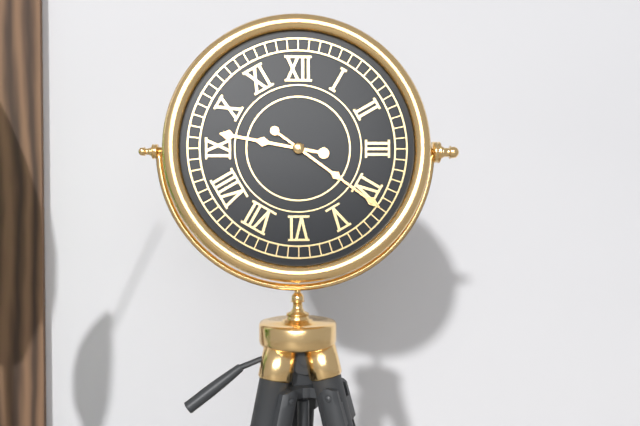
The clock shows h=9 m=21
